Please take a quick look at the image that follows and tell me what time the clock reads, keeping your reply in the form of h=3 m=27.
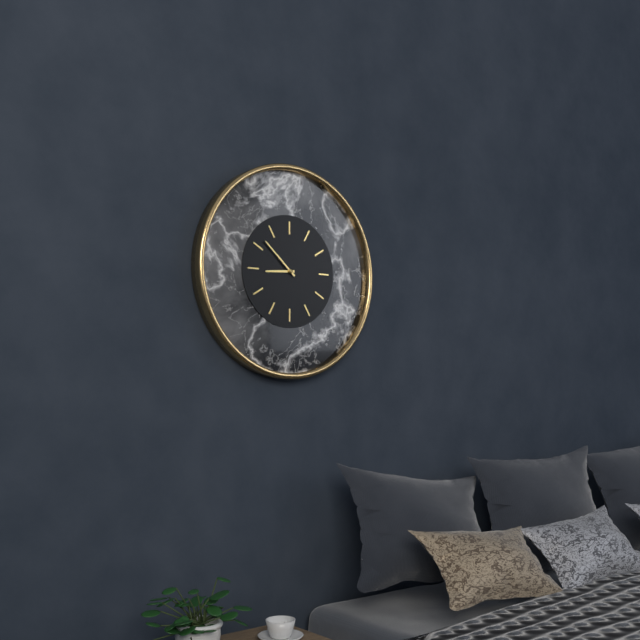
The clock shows h=8 m=52
